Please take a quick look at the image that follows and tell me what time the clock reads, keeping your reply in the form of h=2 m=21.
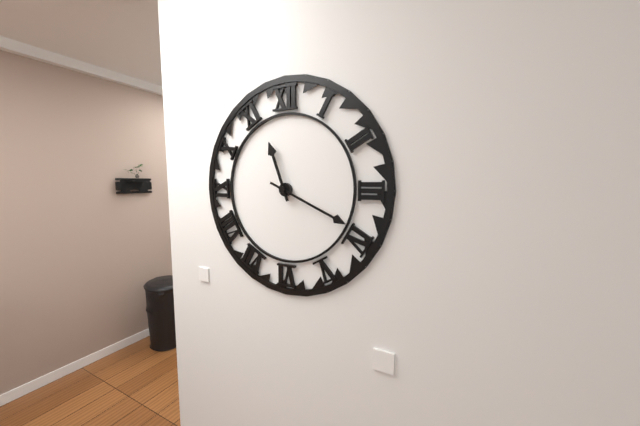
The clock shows h=11 m=19
